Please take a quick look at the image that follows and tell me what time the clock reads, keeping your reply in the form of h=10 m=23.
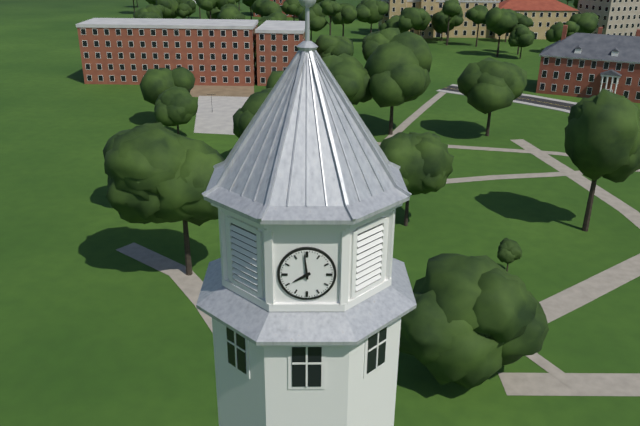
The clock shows h=7 m=59
